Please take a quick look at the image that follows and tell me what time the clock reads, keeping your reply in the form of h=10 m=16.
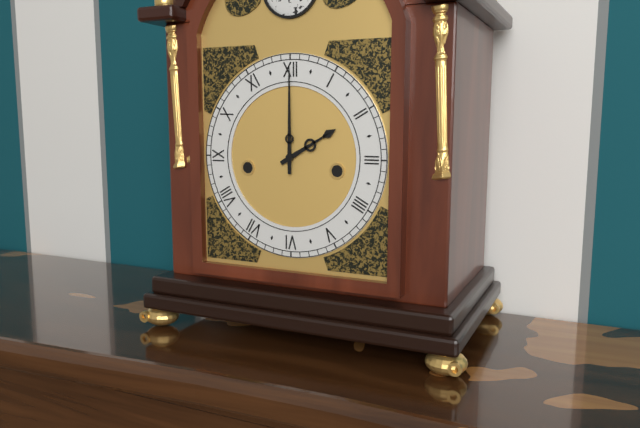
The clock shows h=2 m=0
